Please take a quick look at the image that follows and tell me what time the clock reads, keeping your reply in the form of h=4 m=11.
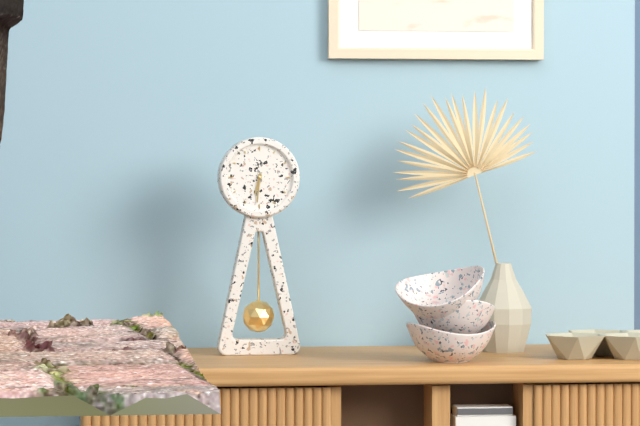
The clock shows h=6 m=31
